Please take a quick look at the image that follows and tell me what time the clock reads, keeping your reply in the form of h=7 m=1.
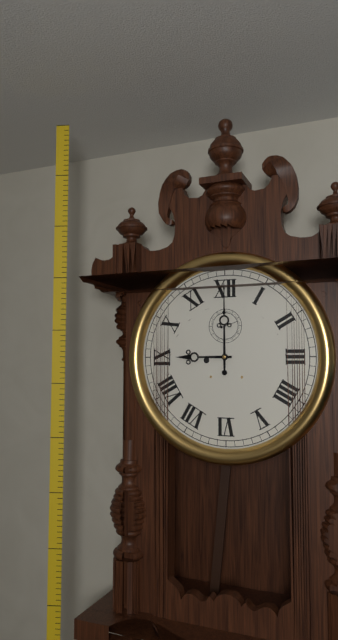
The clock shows h=9 m=0
